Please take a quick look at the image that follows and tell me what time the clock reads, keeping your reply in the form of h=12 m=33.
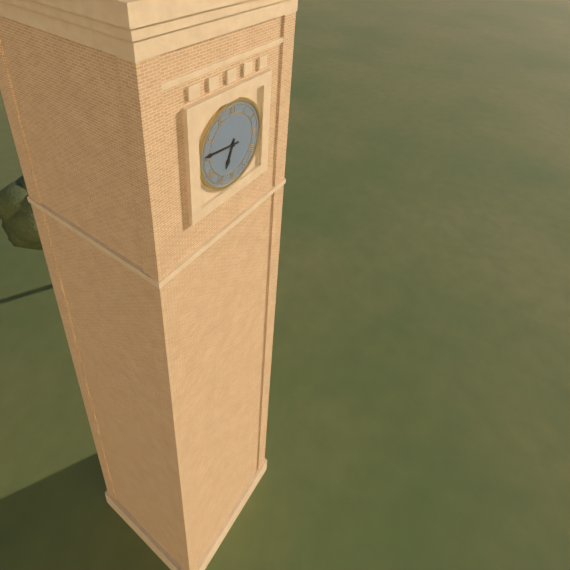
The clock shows h=6 m=46
